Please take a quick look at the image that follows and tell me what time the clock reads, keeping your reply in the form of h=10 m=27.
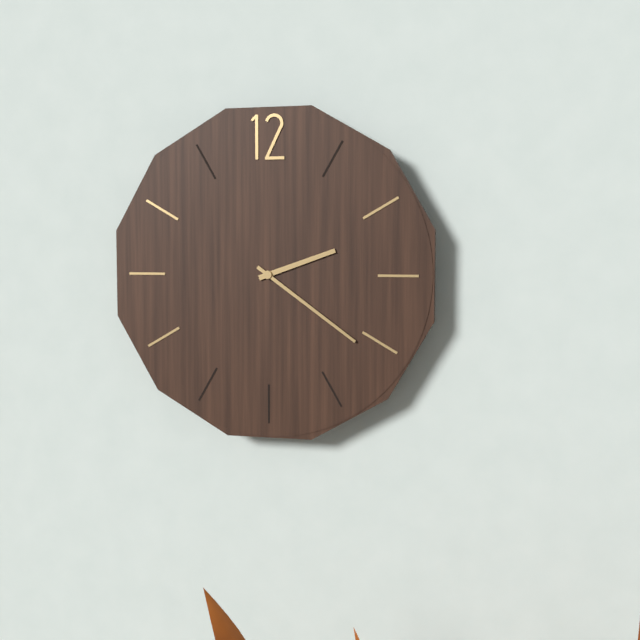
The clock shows h=2 m=21
